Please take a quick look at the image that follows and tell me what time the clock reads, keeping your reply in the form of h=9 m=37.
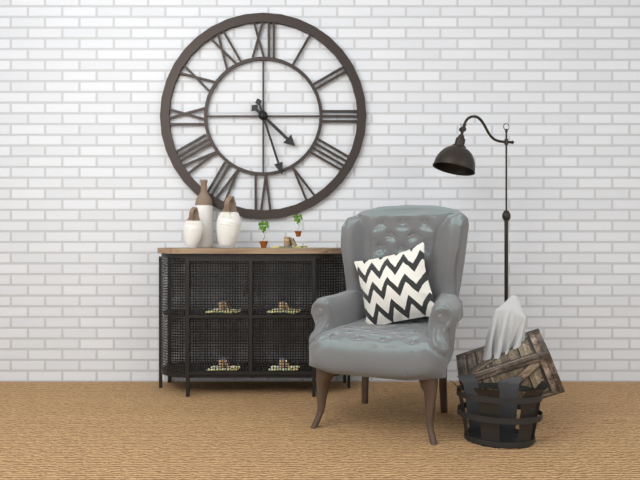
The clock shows h=4 m=27
